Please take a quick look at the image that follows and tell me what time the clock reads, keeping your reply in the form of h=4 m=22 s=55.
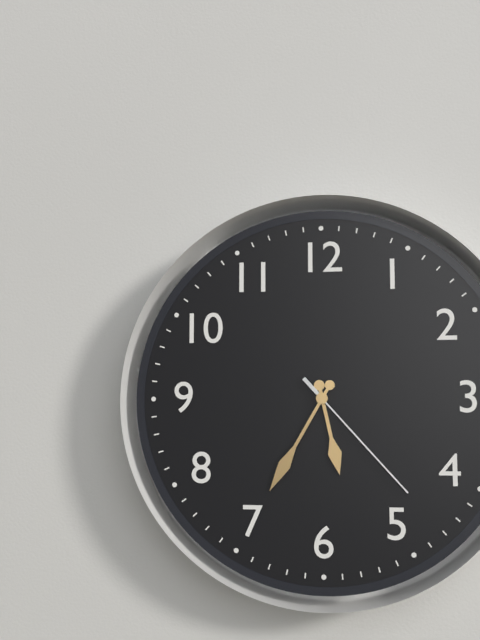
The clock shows h=5 m=35 s=23
